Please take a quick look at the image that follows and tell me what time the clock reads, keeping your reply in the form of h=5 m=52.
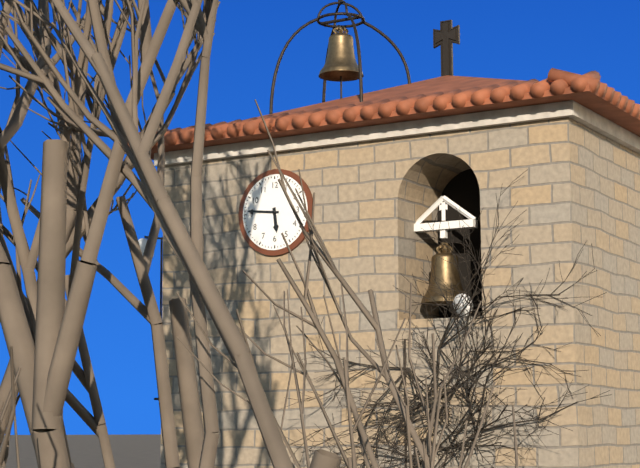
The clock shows h=5 m=46
